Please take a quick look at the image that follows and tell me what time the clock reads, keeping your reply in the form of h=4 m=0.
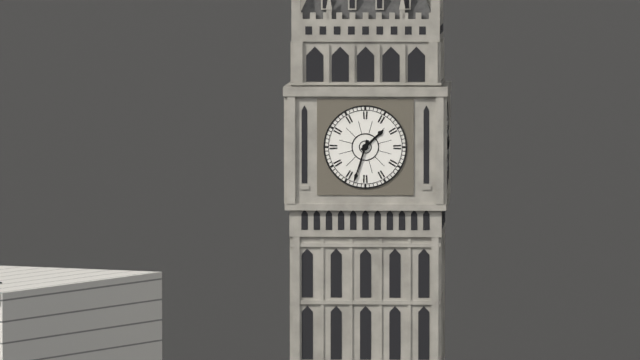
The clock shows h=1 m=33
